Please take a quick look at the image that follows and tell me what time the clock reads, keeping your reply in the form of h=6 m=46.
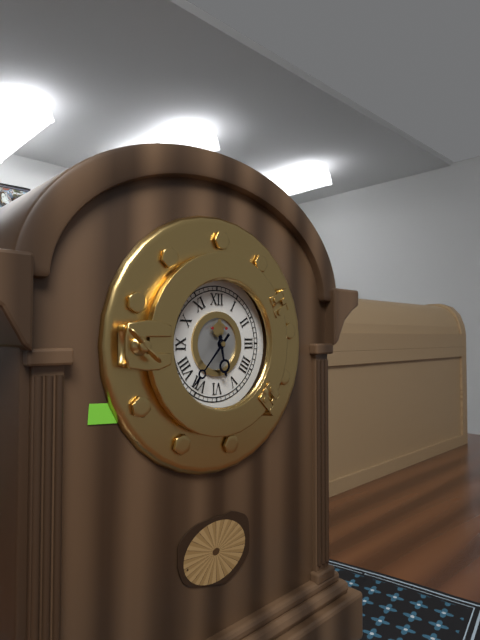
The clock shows h=5 m=37
